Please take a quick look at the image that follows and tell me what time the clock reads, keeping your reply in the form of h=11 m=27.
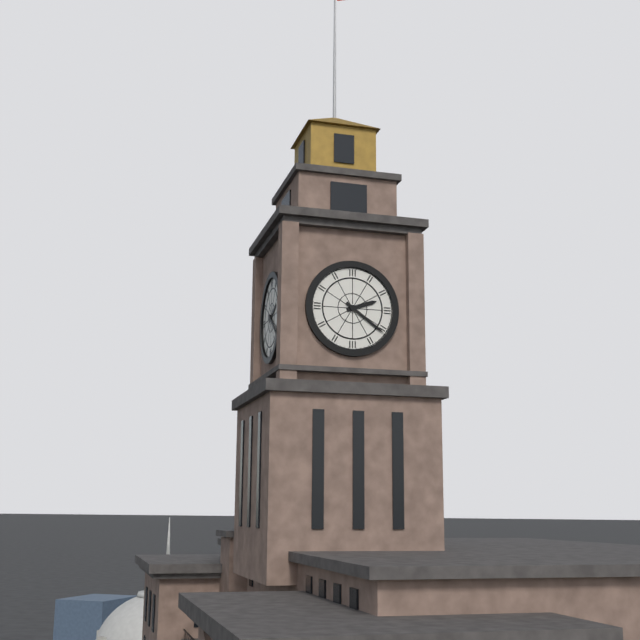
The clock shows h=2 m=21
